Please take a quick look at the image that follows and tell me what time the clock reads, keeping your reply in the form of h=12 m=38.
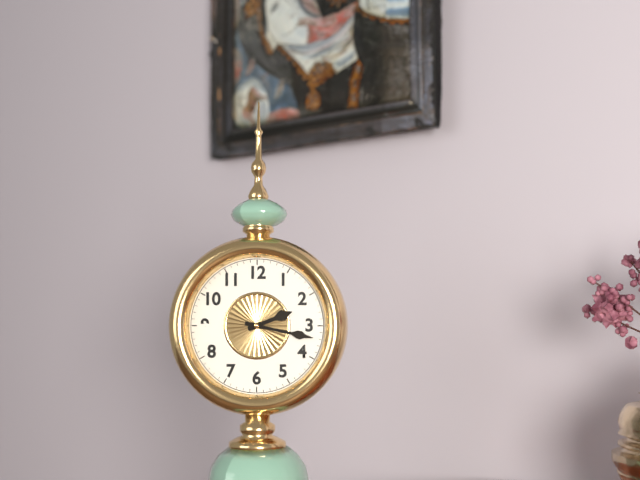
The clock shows h=2 m=17
